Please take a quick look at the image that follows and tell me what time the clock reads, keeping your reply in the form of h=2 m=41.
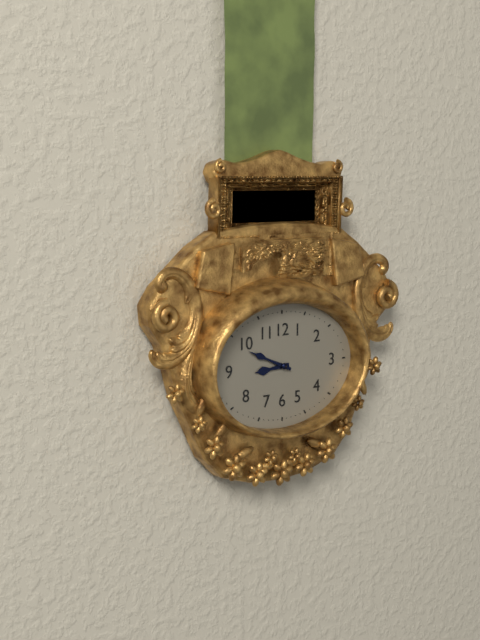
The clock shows h=8 m=49
